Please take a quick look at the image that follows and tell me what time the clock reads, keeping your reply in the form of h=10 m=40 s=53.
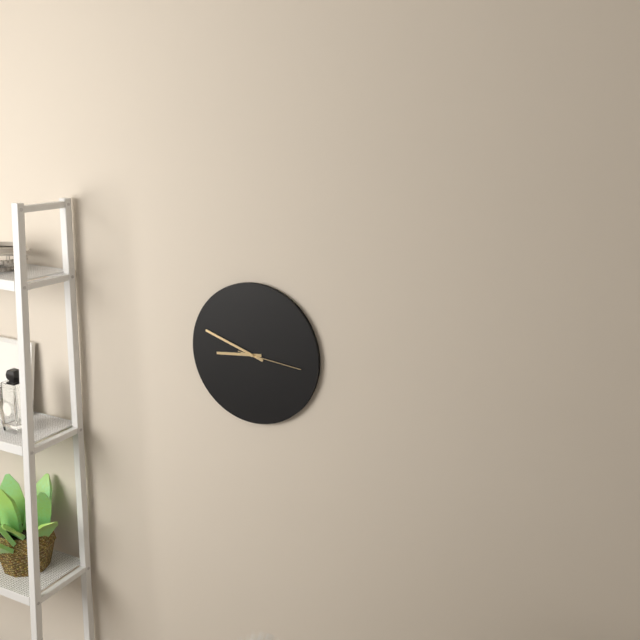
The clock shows h=8 m=48 s=16
